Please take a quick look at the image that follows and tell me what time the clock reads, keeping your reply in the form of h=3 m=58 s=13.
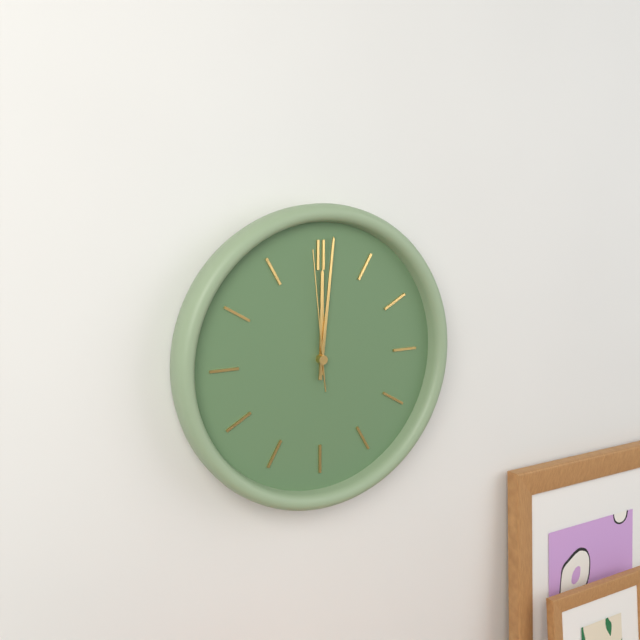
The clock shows h=12 m=1 s=59
